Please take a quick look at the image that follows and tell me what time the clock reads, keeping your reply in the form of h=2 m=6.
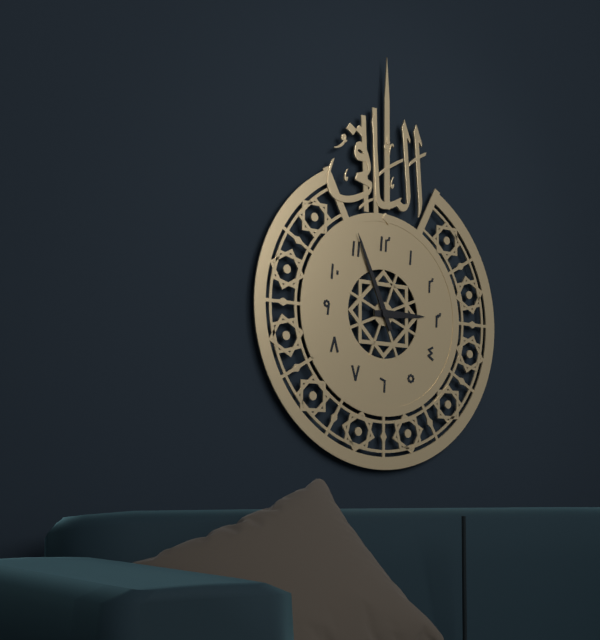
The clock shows h=2 m=56
